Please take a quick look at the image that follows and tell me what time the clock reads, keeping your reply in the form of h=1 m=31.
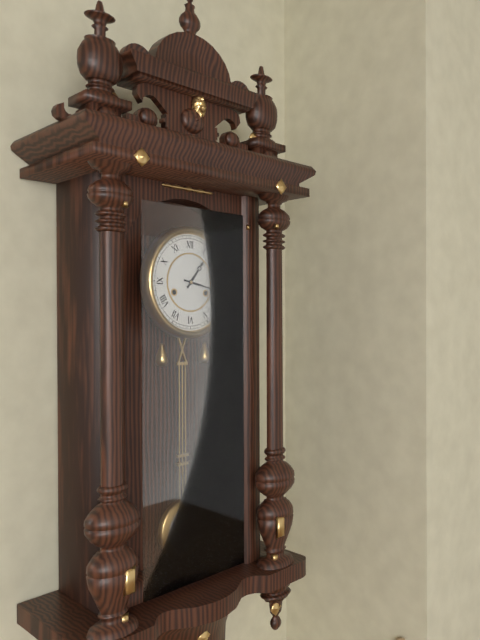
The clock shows h=1 m=17
